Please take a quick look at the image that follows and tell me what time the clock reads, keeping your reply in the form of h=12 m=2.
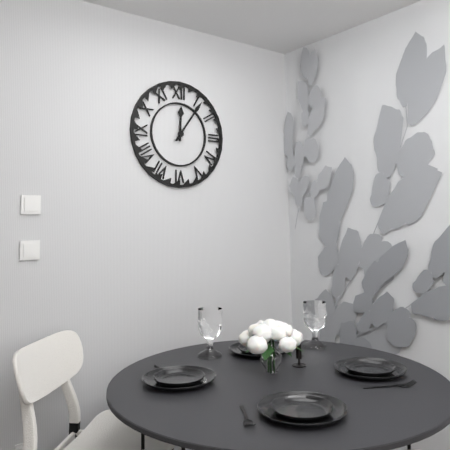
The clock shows h=12 m=6
